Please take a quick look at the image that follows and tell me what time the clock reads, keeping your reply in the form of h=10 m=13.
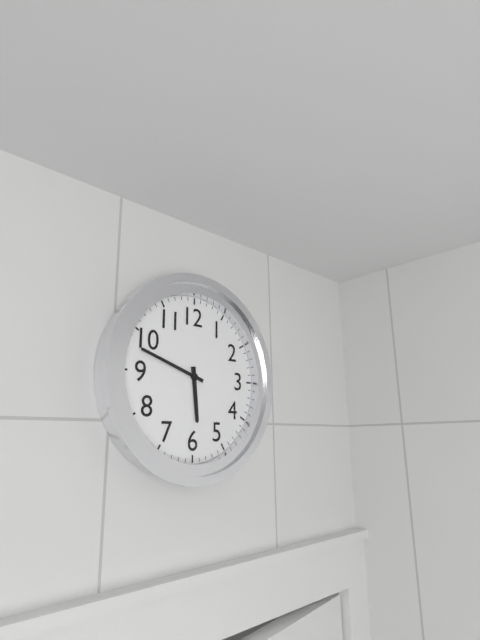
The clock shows h=5 m=48
